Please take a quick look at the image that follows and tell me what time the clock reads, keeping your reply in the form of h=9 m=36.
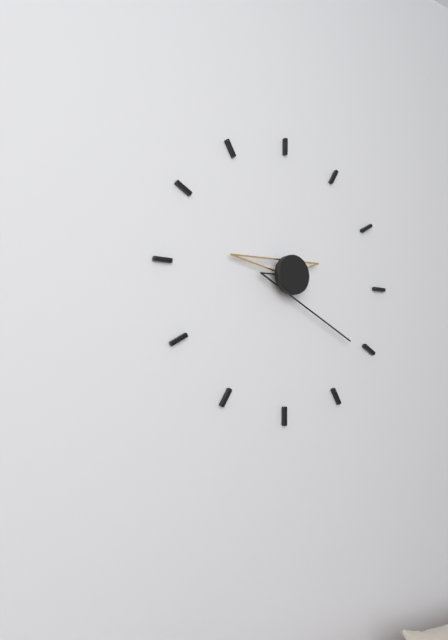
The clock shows h=9 m=21
